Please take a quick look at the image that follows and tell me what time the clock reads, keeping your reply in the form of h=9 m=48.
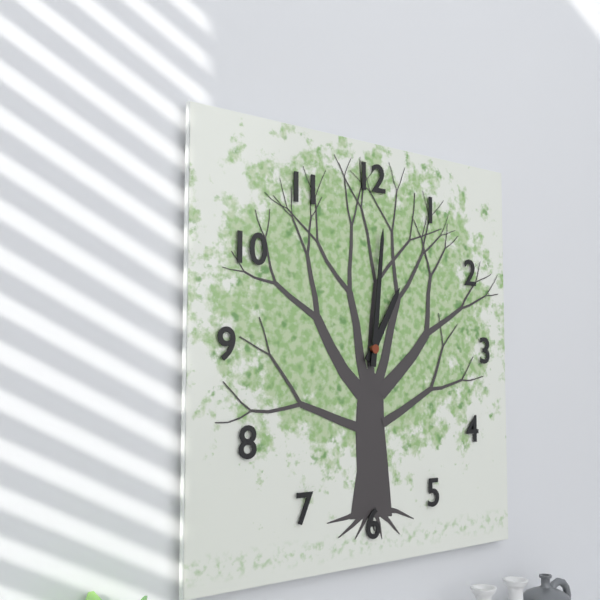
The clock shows h=1 m=1
